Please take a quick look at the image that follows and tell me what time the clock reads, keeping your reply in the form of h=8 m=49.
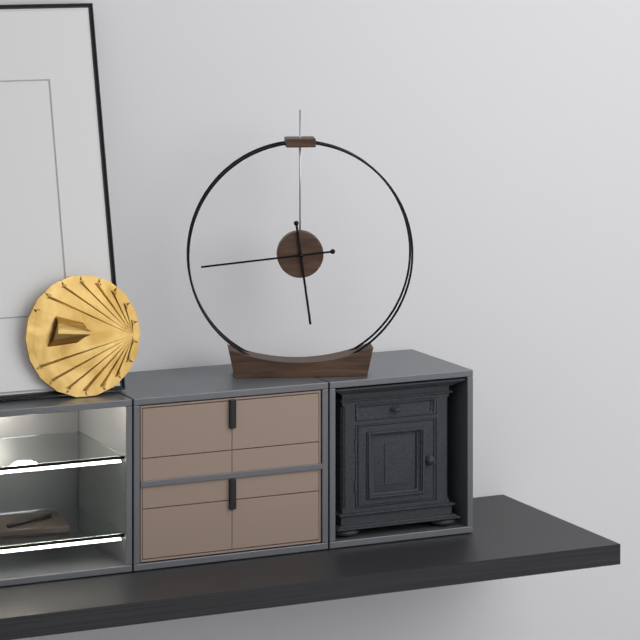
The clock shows h=5 m=44
